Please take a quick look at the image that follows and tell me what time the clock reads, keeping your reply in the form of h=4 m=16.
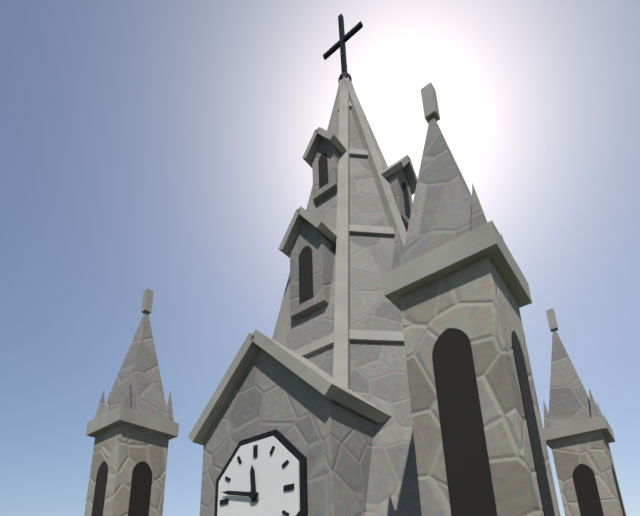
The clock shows h=11 m=47
